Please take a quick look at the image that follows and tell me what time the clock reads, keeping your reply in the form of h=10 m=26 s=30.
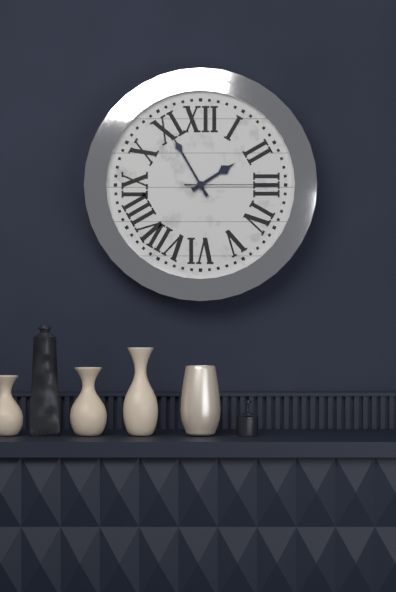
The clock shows h=1 m=55 s=15
